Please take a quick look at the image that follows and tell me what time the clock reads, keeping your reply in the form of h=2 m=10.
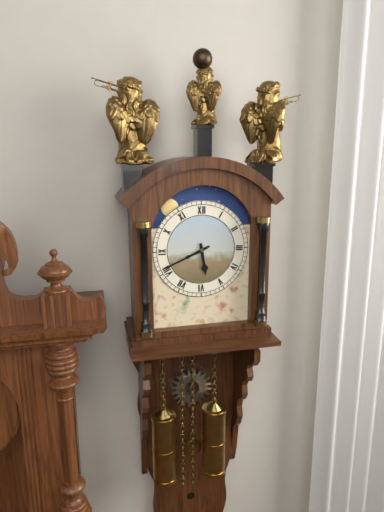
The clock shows h=5 m=41
